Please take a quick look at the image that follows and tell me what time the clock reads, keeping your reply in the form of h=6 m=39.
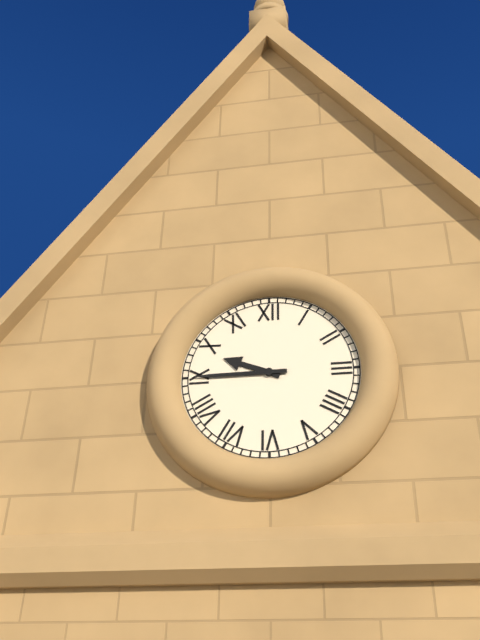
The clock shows h=9 m=45
